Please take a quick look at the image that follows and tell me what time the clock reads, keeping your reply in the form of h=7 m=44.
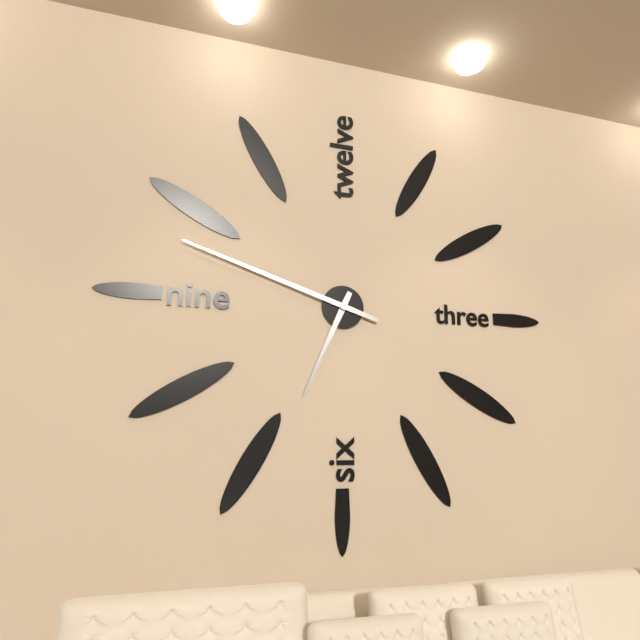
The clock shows h=6 m=48
